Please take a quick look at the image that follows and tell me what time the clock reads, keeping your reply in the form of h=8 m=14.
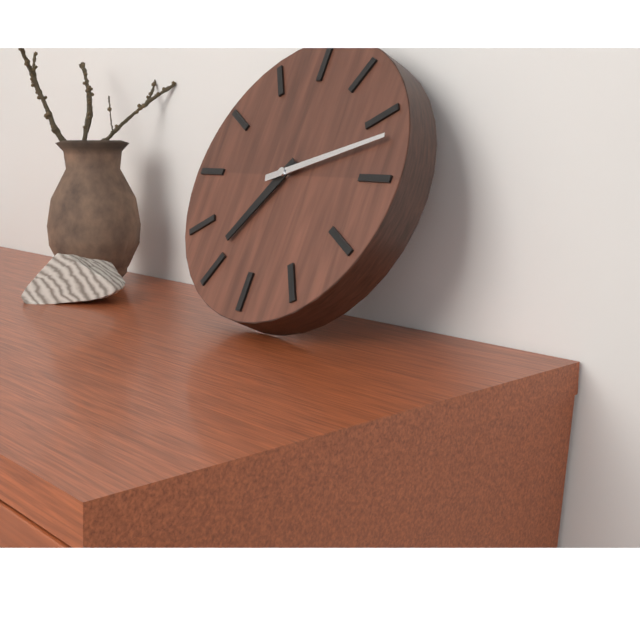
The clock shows h=7 m=12
